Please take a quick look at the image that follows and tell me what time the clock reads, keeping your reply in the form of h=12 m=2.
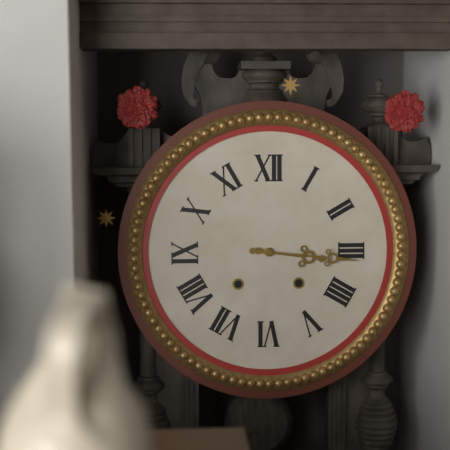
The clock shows h=3 m=16
